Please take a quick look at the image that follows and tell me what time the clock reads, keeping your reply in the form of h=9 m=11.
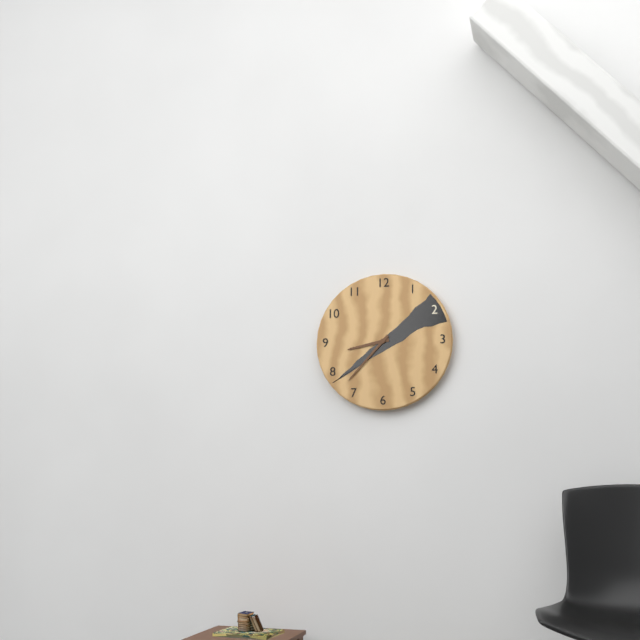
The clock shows h=8 m=37
